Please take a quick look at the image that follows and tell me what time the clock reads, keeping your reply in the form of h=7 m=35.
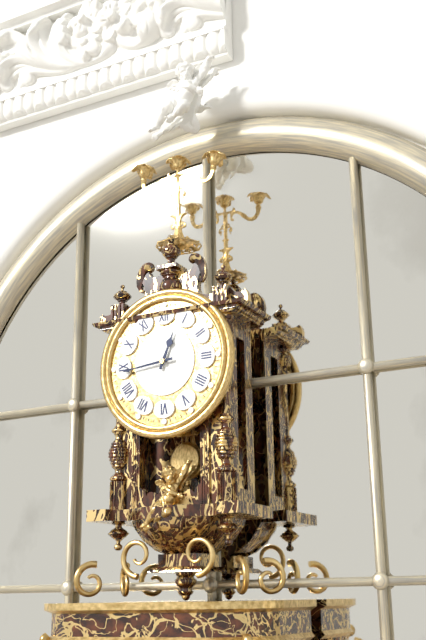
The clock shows h=12 m=44
